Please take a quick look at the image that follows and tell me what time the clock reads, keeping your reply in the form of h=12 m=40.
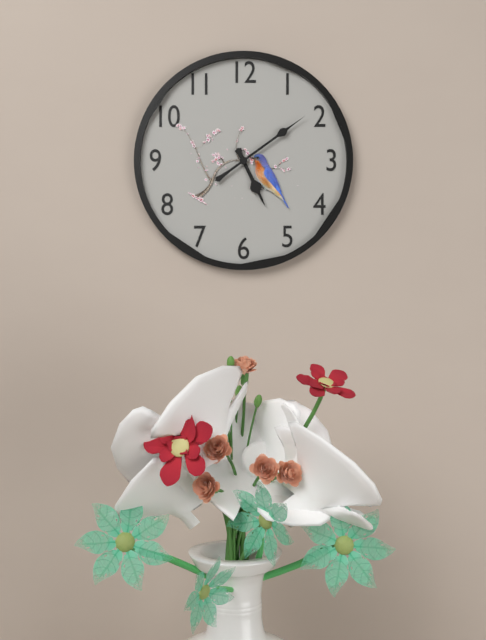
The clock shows h=5 m=9
